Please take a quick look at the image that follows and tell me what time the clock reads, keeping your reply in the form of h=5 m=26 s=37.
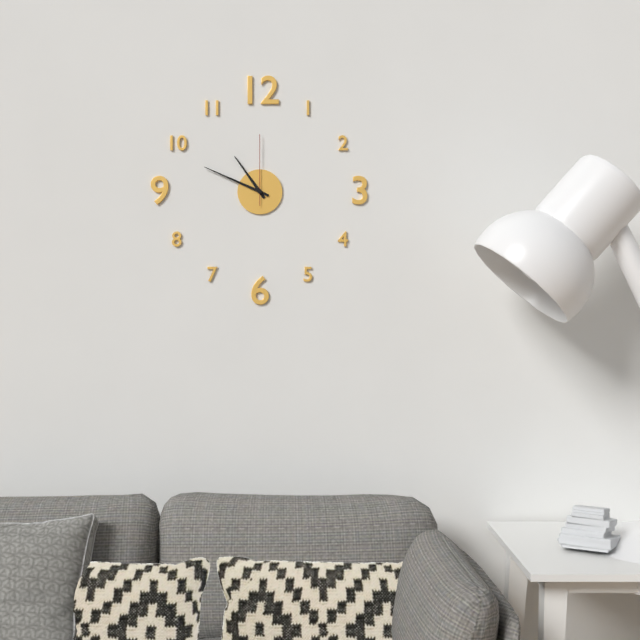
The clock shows h=10 m=49 s=0
